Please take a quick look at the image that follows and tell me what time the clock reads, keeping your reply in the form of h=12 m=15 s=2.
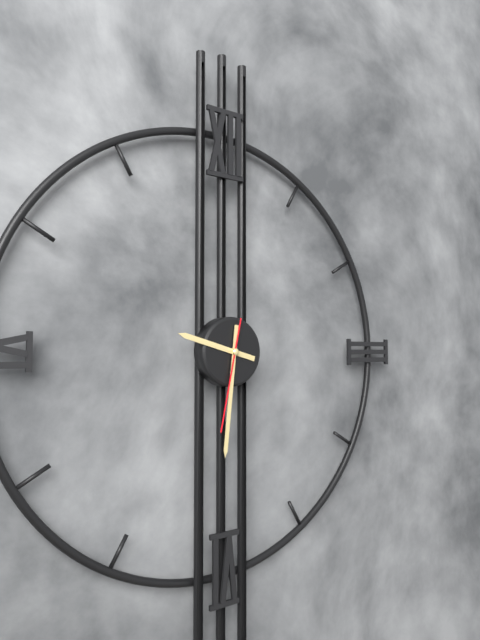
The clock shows h=9 m=31 s=32
